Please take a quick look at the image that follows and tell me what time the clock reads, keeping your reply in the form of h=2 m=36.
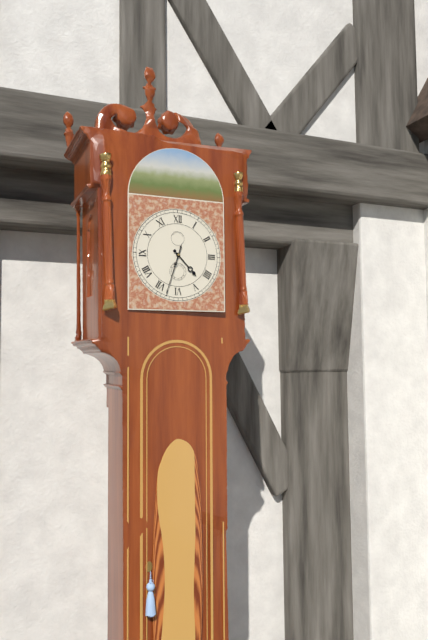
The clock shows h=4 m=33
